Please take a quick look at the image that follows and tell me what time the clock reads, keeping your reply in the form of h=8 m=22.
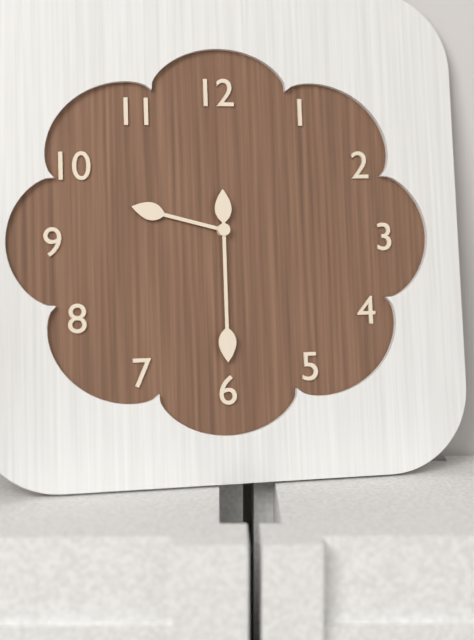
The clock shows h=9 m=30
